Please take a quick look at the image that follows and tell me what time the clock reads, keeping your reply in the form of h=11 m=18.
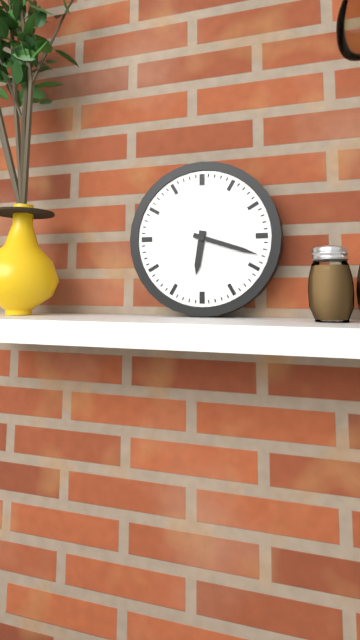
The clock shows h=6 m=18
